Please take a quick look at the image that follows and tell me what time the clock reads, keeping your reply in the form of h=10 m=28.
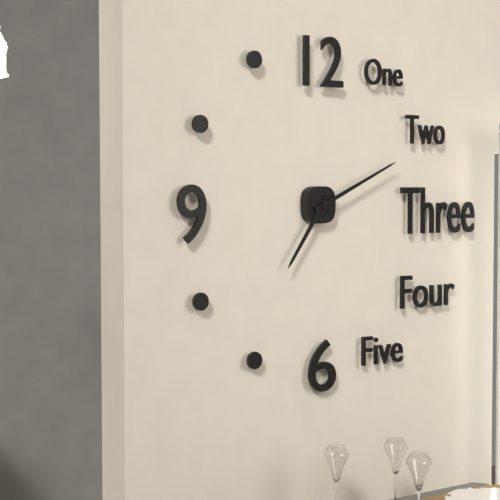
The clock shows h=7 m=11
